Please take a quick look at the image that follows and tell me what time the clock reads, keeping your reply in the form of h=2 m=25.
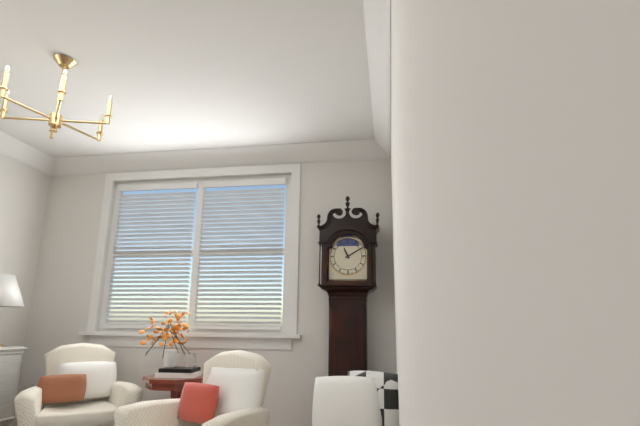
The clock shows h=11 m=10
